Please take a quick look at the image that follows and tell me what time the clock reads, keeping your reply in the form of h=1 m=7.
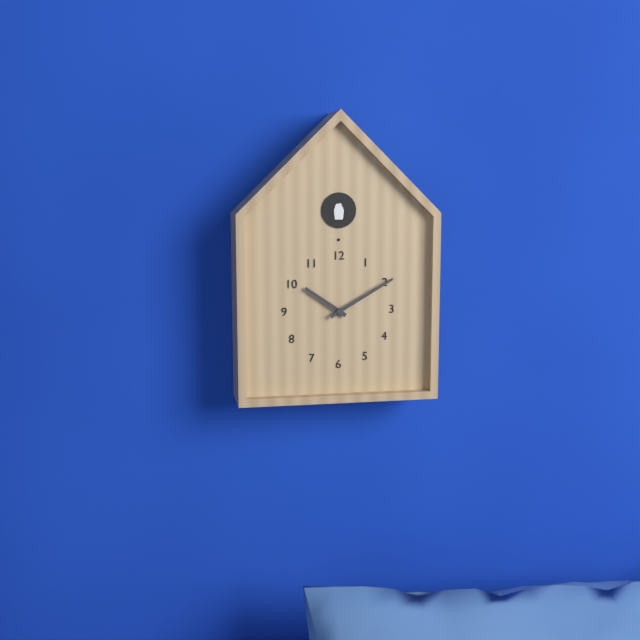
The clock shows h=10 m=10
